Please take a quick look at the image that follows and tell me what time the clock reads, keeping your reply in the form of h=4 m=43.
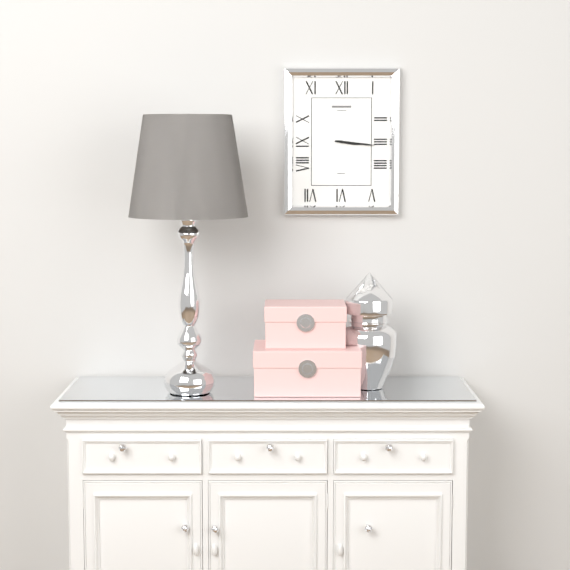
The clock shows h=3 m=16
